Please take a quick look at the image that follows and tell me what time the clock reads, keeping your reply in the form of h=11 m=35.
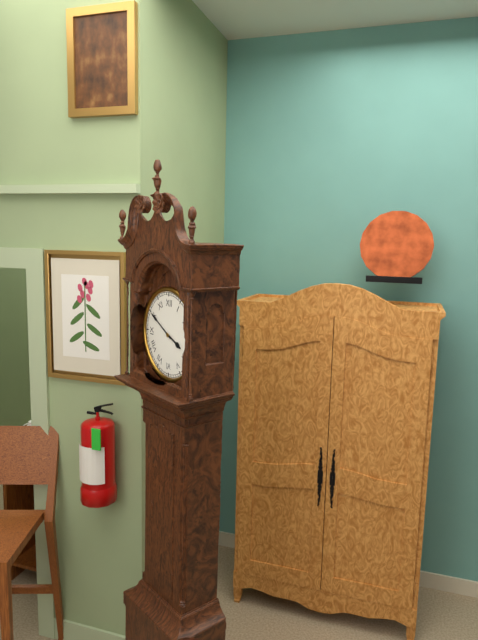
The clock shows h=3 m=50
